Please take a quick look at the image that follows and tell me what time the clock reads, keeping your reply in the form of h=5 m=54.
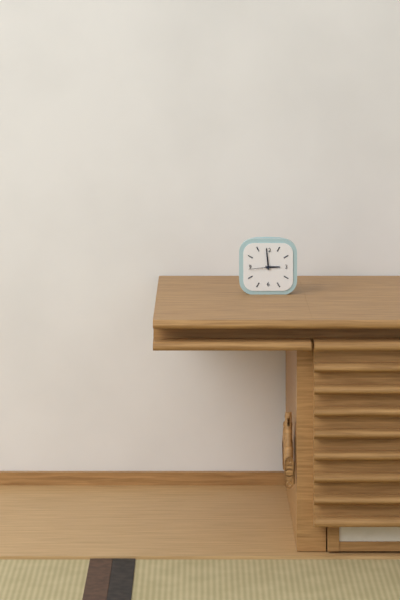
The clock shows h=2 m=59
